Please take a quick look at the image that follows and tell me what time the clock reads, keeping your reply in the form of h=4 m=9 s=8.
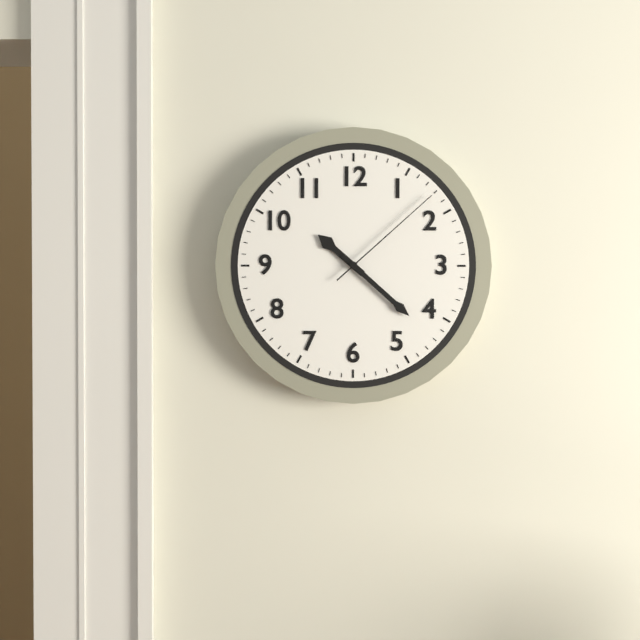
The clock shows h=10 m=22 s=8
